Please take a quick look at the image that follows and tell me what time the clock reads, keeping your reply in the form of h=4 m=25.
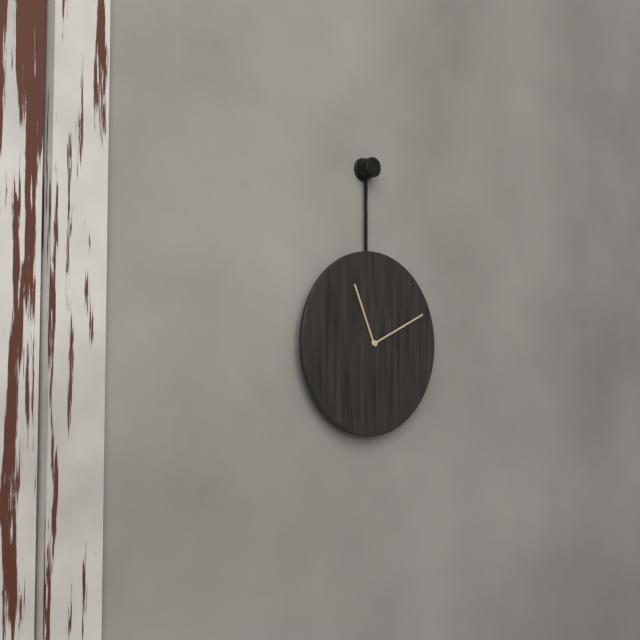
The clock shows h=11 m=11
